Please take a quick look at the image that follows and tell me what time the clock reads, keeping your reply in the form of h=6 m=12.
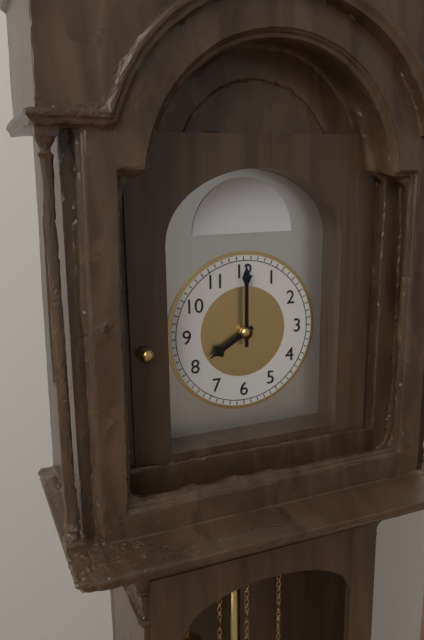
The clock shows h=8 m=0
